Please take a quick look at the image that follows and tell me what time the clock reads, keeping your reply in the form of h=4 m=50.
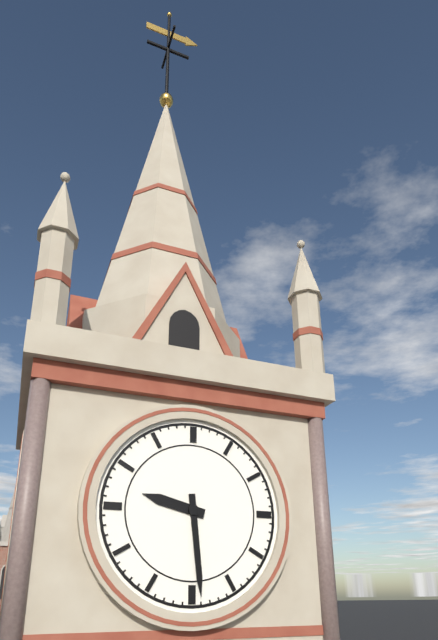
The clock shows h=9 m=29
